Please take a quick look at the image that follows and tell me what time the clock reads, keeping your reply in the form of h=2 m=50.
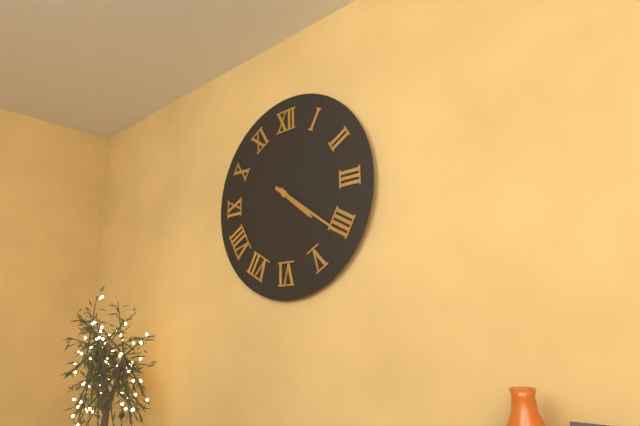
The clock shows h=4 m=21
